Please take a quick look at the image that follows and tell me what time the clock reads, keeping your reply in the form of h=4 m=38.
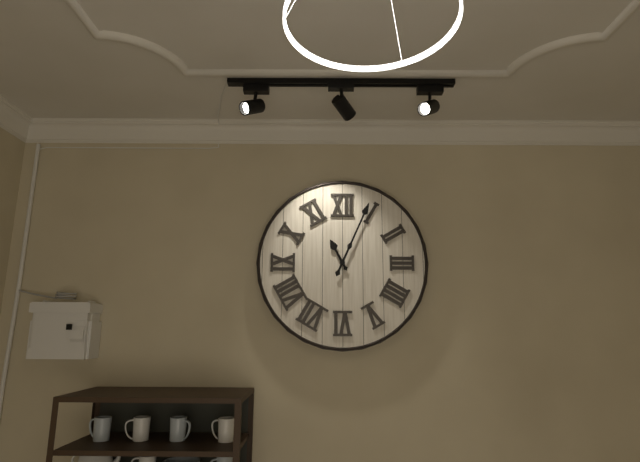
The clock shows h=11 m=4
